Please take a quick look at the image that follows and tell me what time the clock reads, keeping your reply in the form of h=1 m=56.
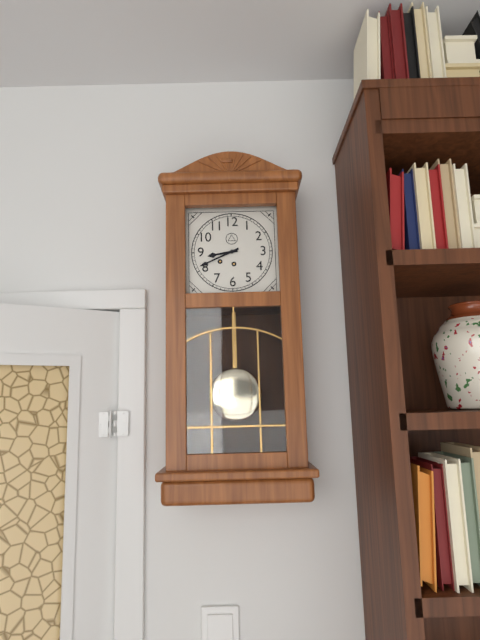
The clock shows h=8 m=41
